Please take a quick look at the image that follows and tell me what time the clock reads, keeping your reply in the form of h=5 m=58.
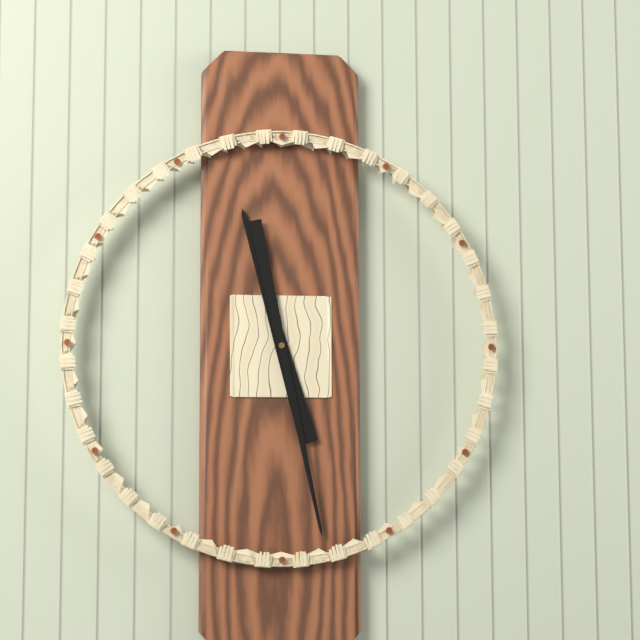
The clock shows h=11 m=28
